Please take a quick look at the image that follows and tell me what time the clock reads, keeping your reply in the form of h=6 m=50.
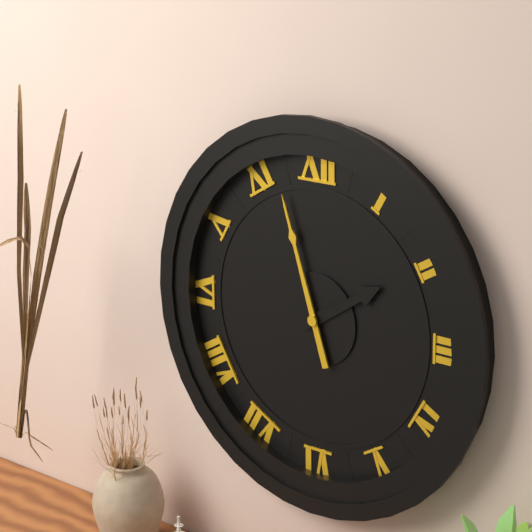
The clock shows h=1 m=57
